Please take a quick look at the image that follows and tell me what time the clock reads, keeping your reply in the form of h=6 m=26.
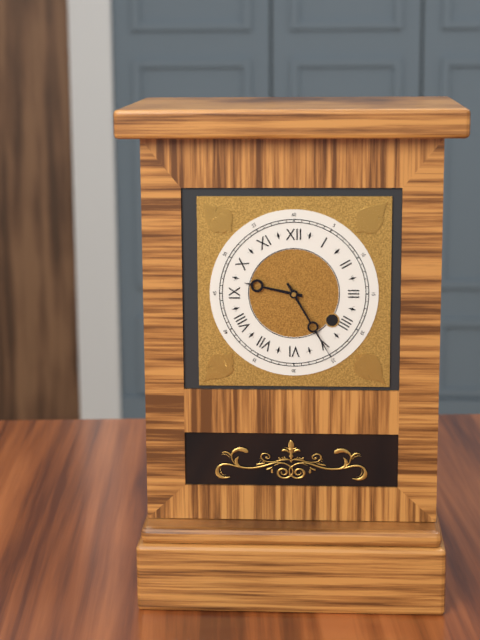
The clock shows h=9 m=25
